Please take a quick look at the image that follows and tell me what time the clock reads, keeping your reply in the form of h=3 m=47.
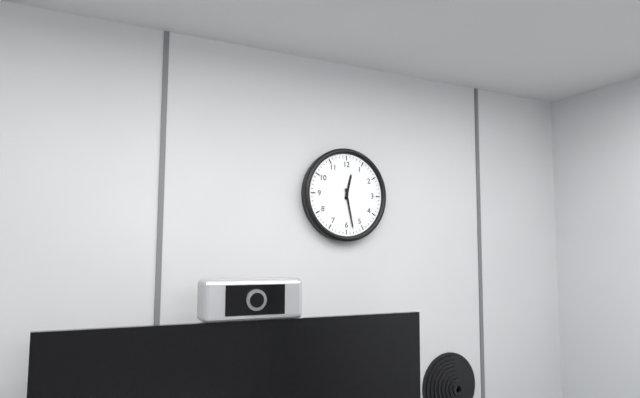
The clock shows h=12 m=28
